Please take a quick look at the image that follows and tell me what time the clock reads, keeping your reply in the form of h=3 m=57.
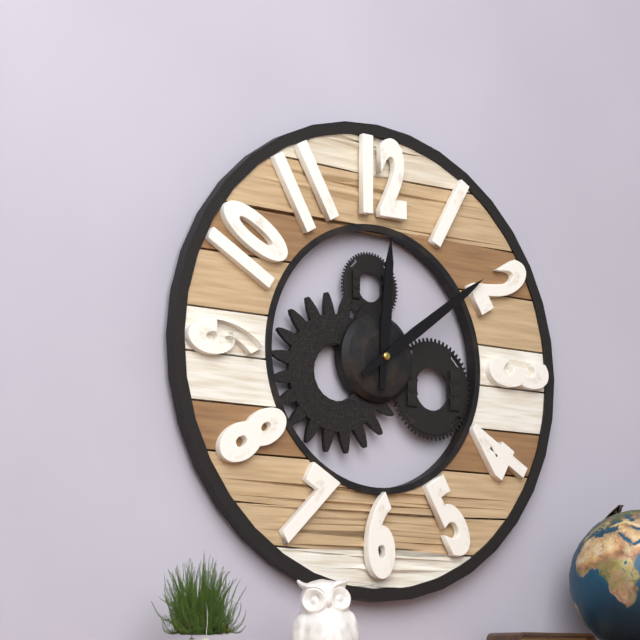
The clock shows h=12 m=9
